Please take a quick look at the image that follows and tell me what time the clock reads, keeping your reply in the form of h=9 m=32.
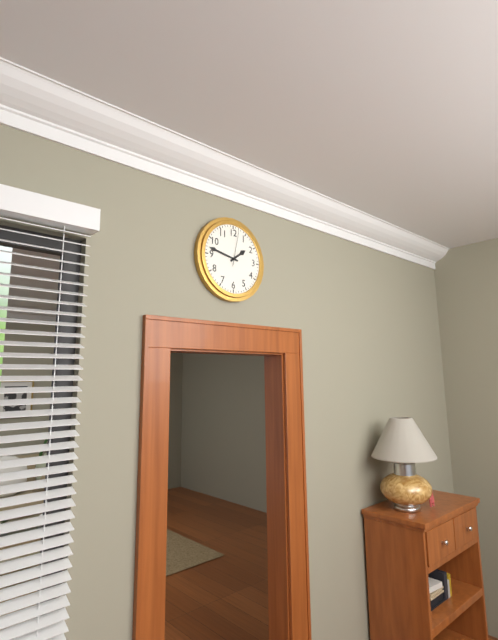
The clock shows h=1 m=47
